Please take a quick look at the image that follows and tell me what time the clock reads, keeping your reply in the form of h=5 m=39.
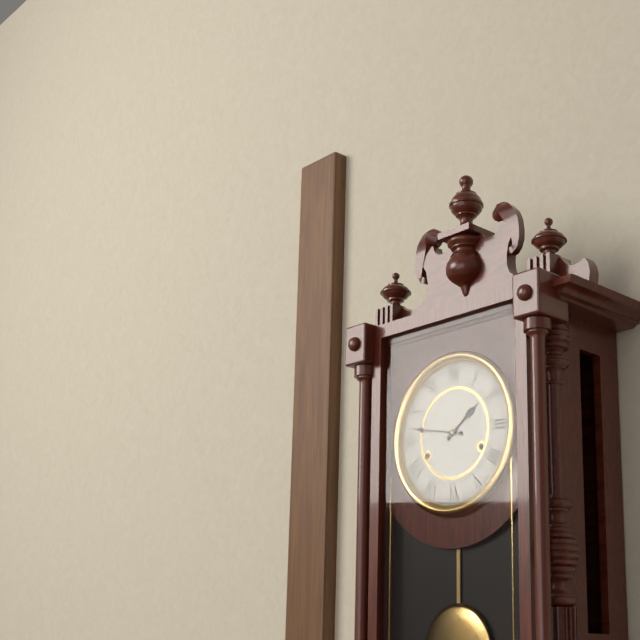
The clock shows h=1 m=47
